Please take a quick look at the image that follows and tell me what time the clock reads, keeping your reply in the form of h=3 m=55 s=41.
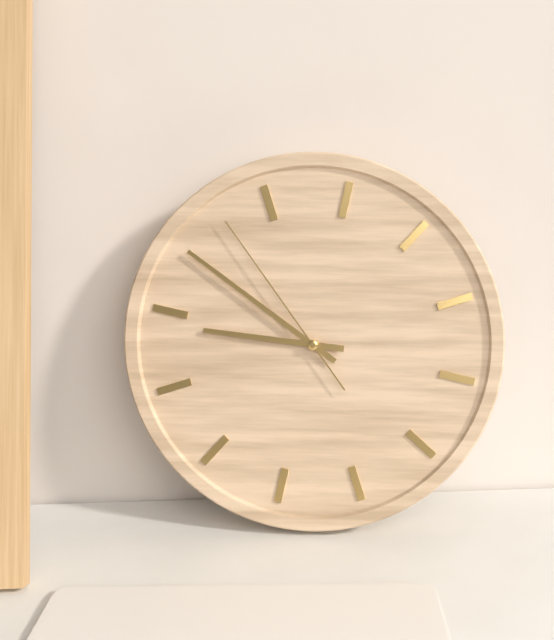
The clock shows h=8 m=49 s=52
